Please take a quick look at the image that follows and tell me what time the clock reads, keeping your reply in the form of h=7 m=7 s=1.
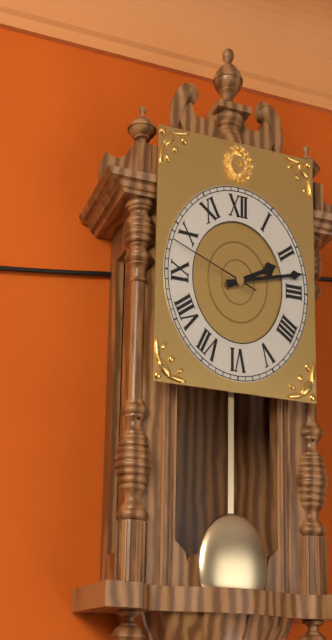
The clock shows h=2 m=13 s=48
